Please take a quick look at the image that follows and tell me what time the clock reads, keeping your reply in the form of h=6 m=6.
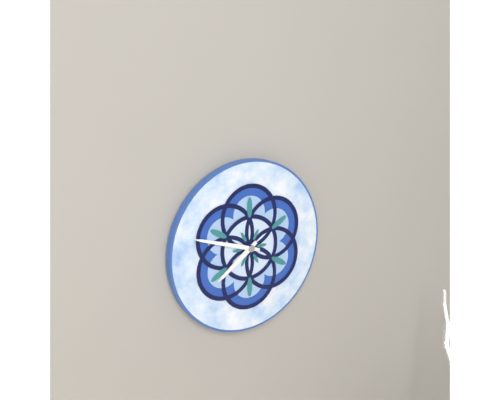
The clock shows h=7 m=48
